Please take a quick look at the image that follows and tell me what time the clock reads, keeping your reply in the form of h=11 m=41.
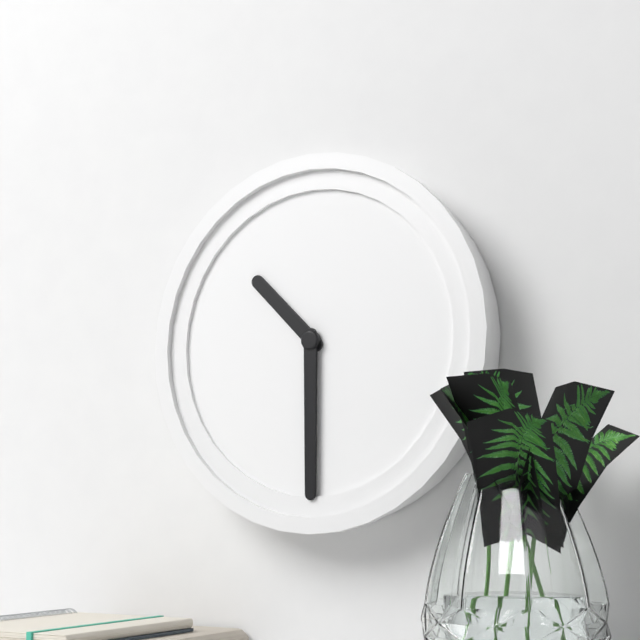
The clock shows h=10 m=30
